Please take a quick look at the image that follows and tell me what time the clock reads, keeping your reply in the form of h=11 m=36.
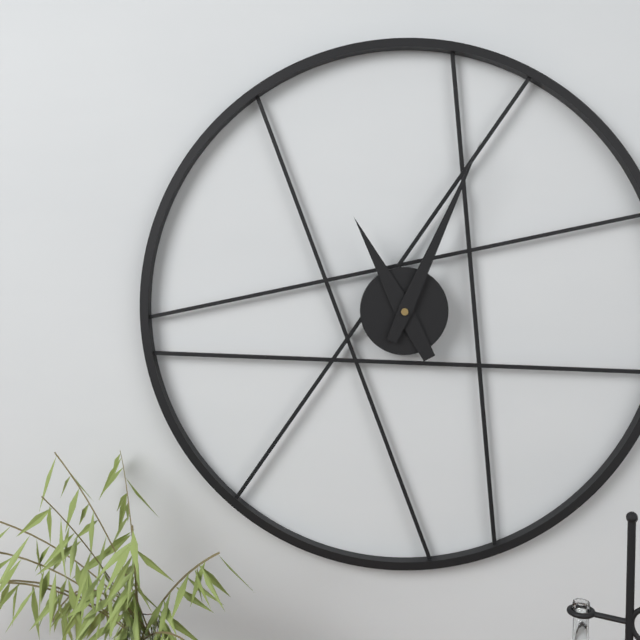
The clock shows h=11 m=4
